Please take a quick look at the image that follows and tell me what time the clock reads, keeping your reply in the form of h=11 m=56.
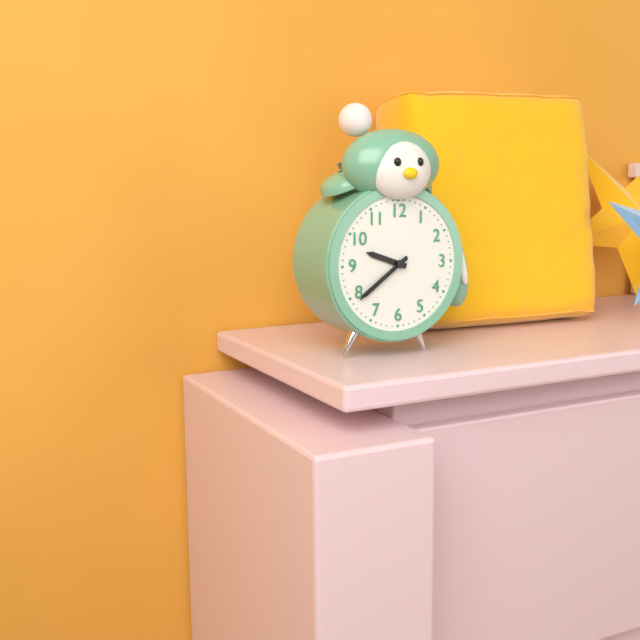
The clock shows h=9 m=39
